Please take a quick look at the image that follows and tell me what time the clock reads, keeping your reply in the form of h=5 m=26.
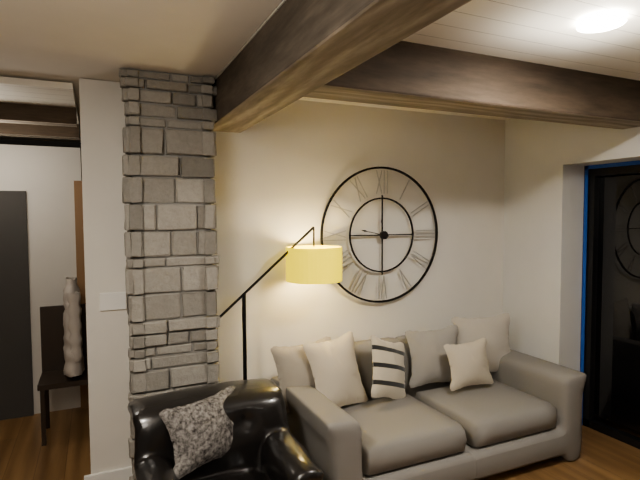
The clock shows h=11 m=47
